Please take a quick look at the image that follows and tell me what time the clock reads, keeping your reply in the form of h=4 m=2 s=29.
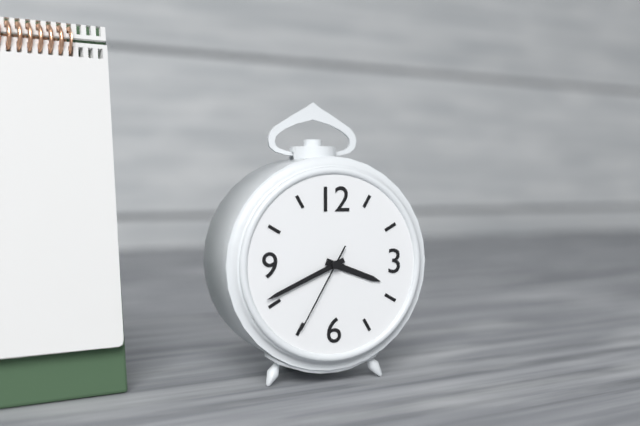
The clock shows h=3 m=41 s=35
